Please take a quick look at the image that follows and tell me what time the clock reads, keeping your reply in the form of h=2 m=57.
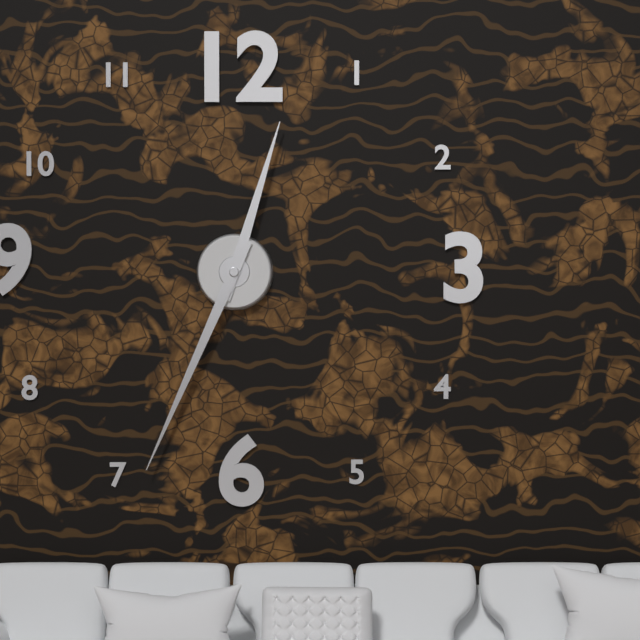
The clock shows h=12 m=34
